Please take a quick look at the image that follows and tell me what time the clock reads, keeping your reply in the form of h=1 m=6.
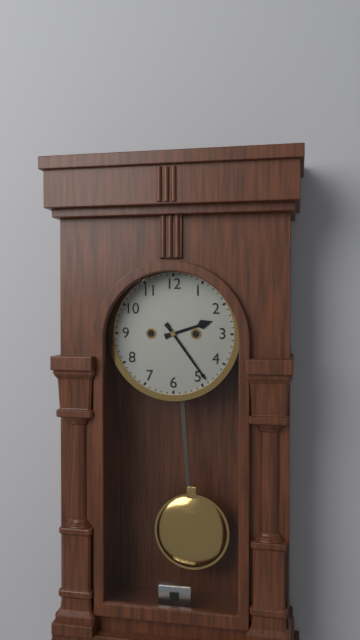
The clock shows h=2 m=24
